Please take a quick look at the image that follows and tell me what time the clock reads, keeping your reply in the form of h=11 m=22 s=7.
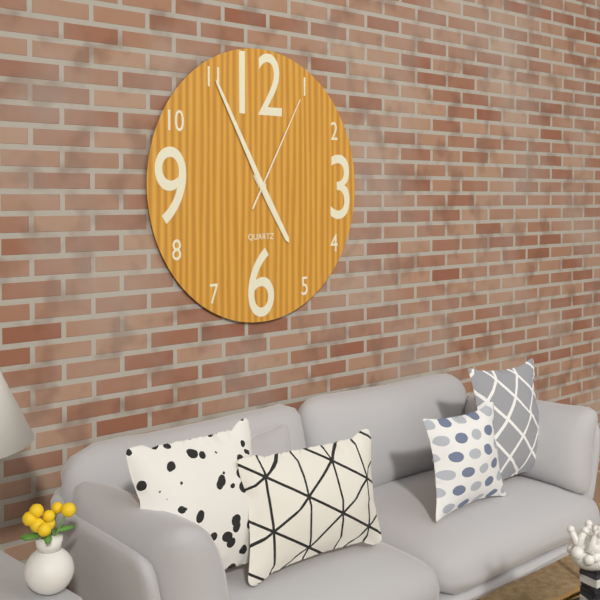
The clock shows h=4 m=55 s=5
